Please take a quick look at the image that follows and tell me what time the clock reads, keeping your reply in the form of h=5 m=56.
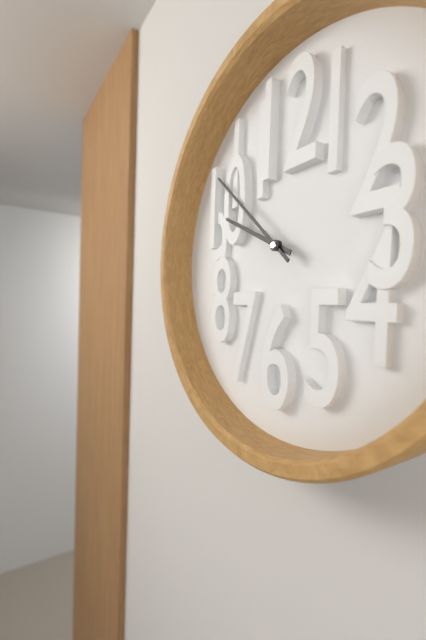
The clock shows h=9 m=52
